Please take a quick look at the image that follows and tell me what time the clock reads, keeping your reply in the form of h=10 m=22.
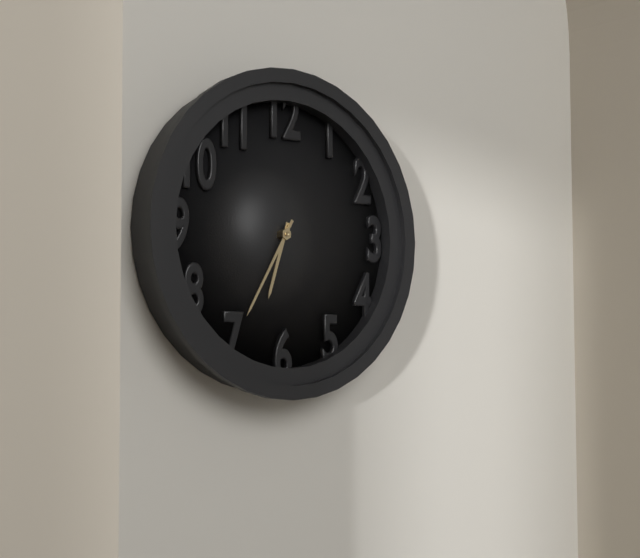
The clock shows h=6 m=35
